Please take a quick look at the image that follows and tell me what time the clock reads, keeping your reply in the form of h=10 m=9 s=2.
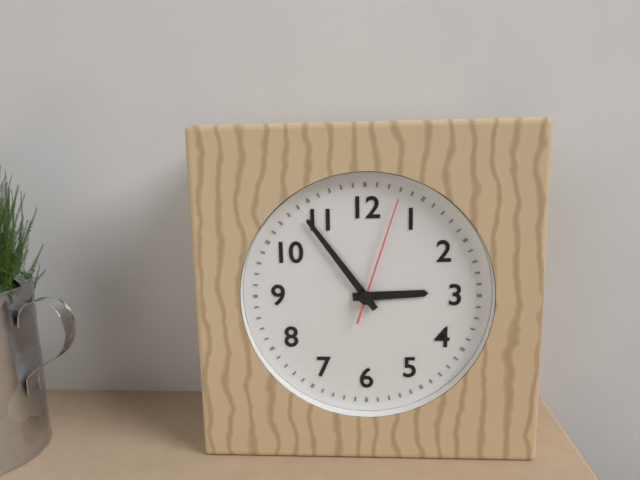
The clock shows h=2 m=54 s=3
